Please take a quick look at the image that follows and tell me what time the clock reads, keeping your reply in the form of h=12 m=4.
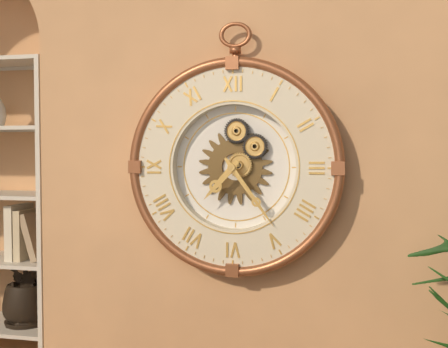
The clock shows h=7 m=24
